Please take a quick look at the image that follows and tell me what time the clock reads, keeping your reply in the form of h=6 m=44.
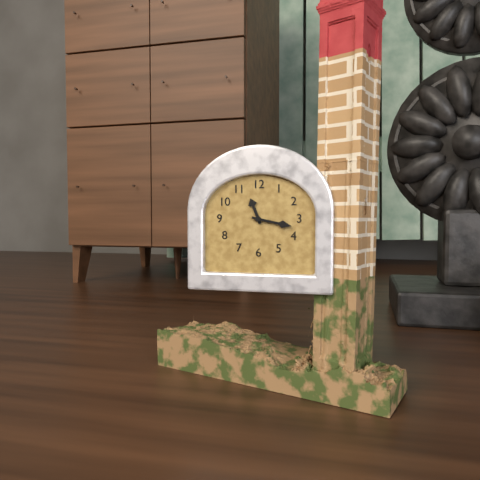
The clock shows h=11 m=17
